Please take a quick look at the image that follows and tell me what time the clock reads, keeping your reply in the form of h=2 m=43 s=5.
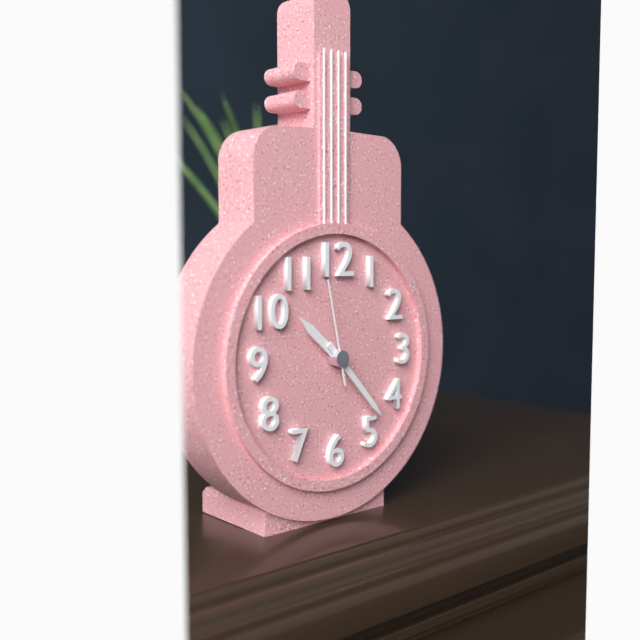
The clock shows h=10 m=23 s=58
